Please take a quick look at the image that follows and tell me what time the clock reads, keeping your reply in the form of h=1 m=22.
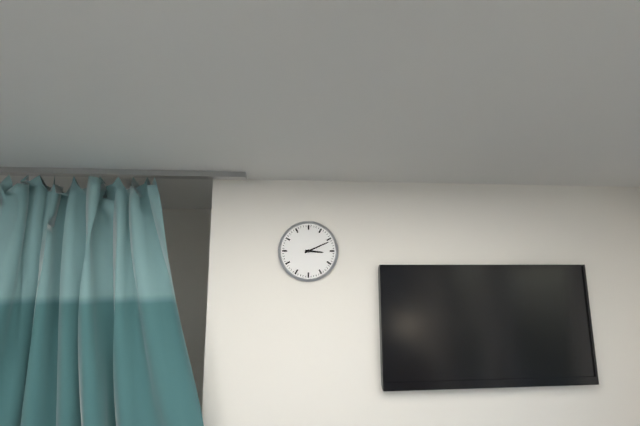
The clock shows h=3 m=11
